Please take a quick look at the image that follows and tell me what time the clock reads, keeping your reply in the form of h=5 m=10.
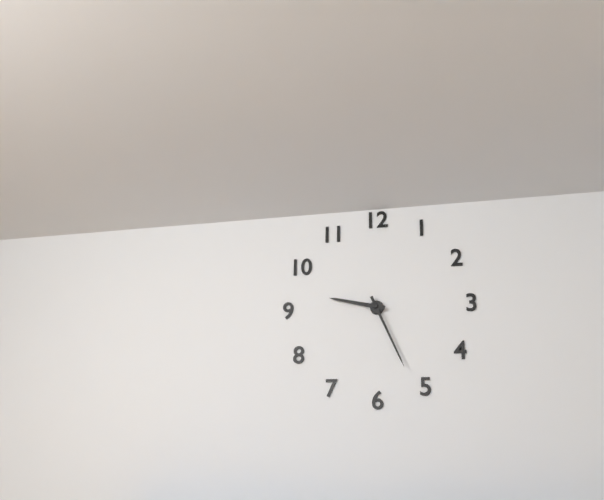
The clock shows h=9 m=26
